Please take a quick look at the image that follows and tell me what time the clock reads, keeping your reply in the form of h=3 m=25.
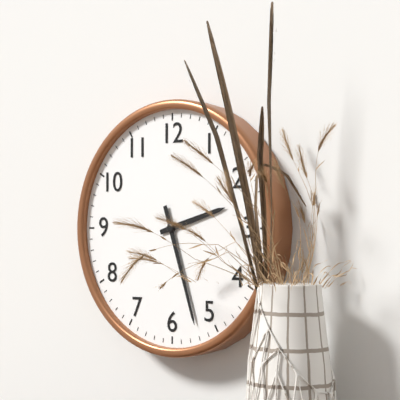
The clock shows h=2 m=27
